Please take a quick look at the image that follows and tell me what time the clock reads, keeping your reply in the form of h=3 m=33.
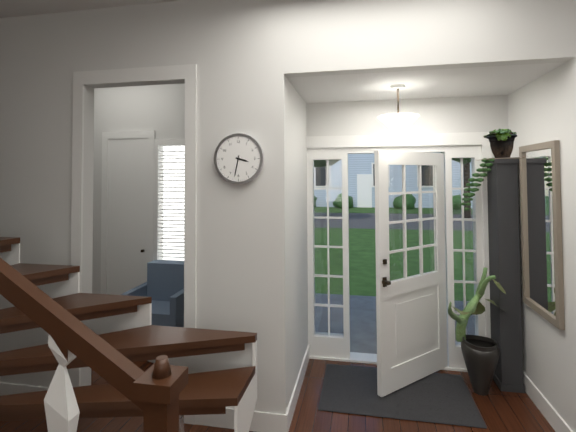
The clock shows h=3 m=32
